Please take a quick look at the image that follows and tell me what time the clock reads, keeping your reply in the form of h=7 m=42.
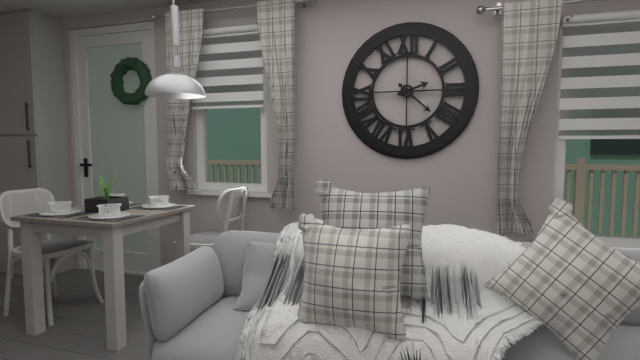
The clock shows h=2 m=22
